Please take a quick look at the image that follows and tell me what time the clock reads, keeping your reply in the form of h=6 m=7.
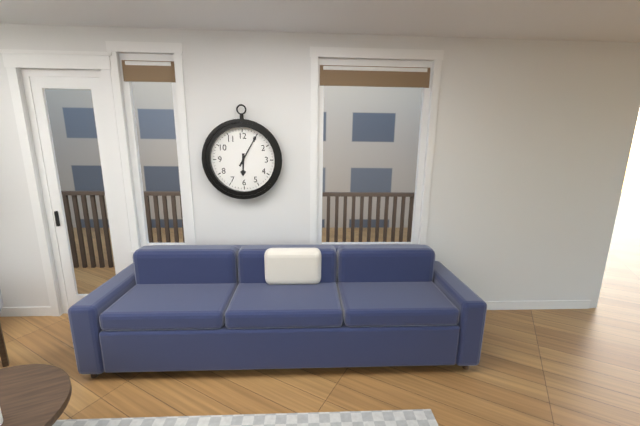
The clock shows h=6 m=5
